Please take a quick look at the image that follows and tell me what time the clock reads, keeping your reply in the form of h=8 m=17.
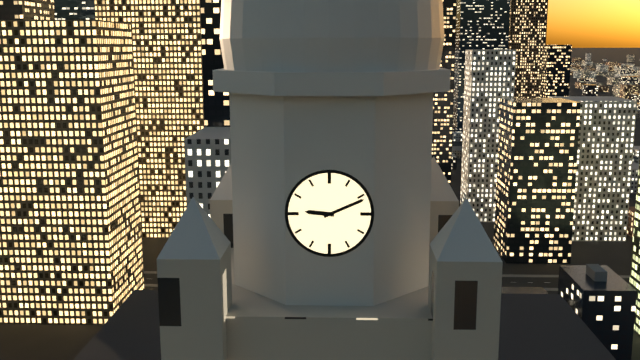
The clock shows h=9 m=11
